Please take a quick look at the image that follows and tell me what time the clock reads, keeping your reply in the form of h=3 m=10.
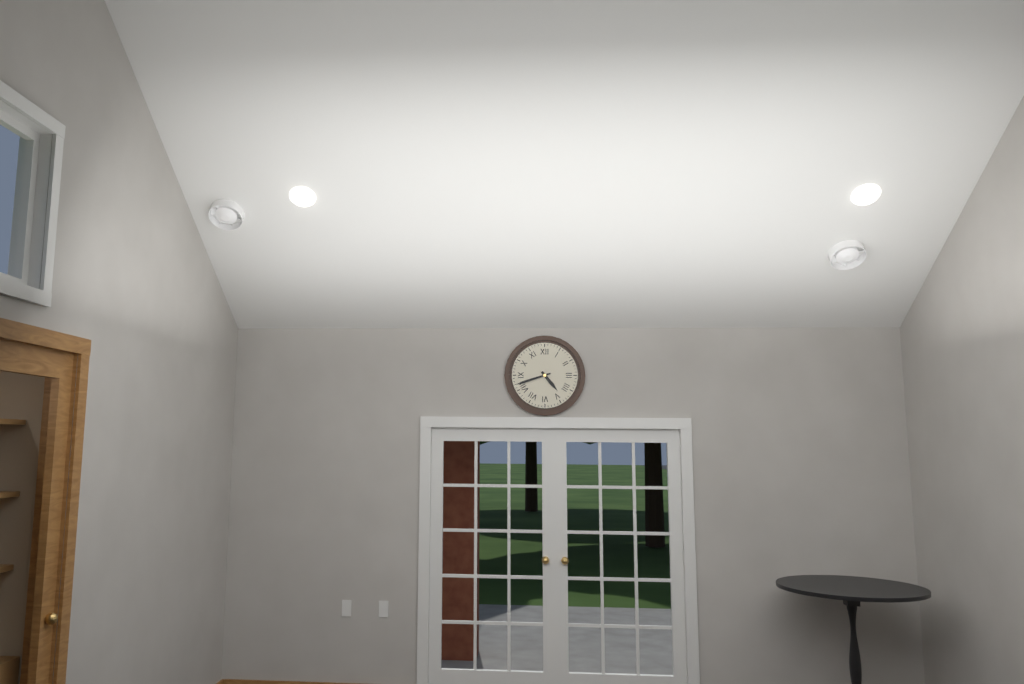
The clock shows h=4 m=42
